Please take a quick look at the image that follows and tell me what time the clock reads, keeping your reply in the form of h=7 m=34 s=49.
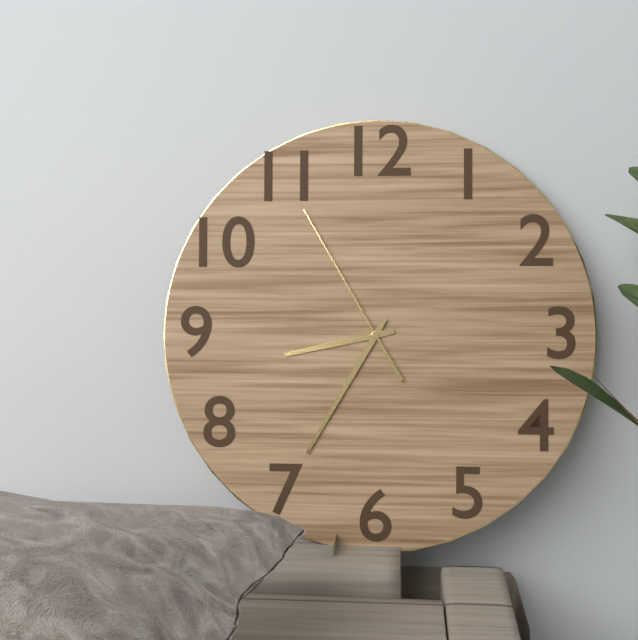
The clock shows h=8 m=35 s=55
